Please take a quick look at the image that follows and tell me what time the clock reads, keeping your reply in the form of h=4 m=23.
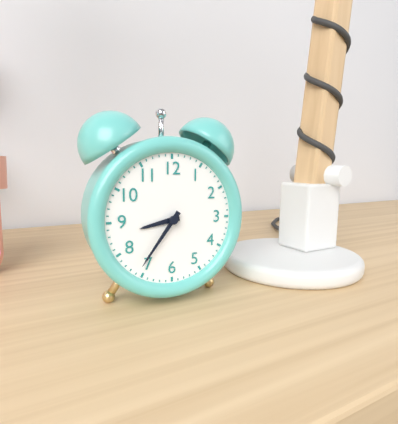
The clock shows h=8 m=36
